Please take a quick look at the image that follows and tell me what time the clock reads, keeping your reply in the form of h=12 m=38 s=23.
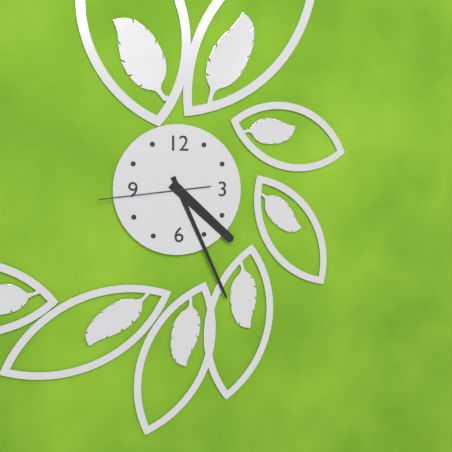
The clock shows h=4 m=26 s=44
